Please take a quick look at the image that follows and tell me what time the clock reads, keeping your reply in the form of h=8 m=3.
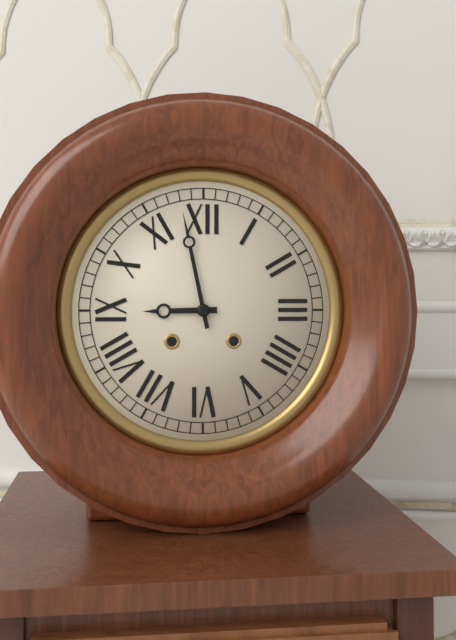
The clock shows h=8 m=58
